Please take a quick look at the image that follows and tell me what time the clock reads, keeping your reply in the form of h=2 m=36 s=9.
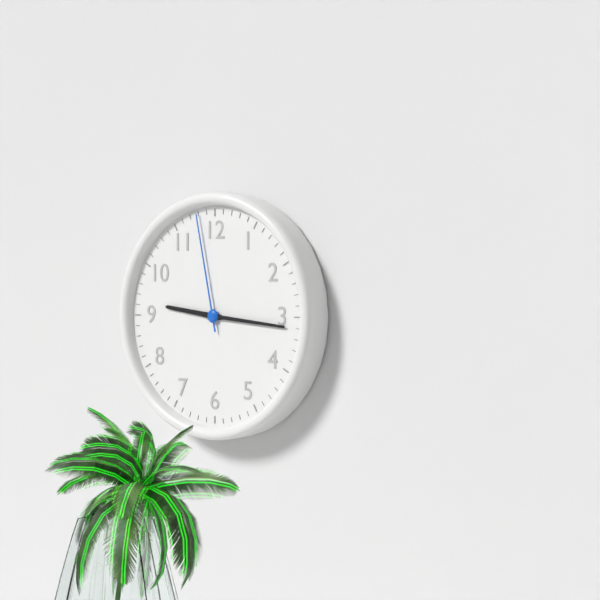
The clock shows h=9 m=16 s=58
